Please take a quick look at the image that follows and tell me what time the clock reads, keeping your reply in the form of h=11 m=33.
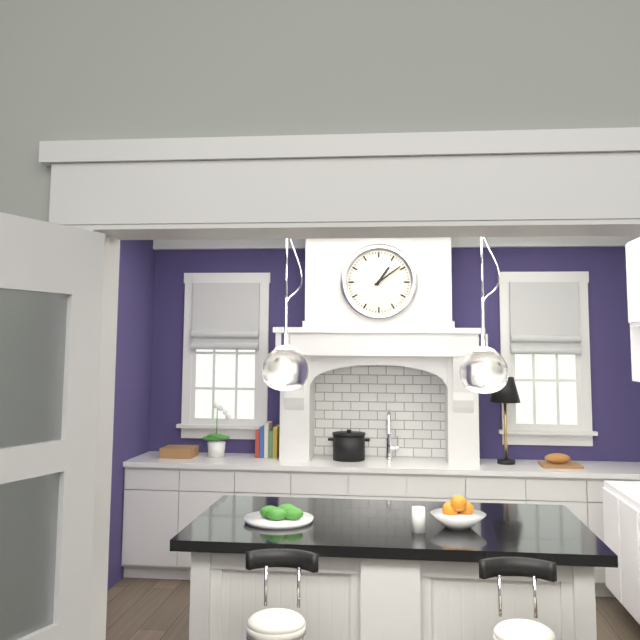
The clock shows h=1 m=9
